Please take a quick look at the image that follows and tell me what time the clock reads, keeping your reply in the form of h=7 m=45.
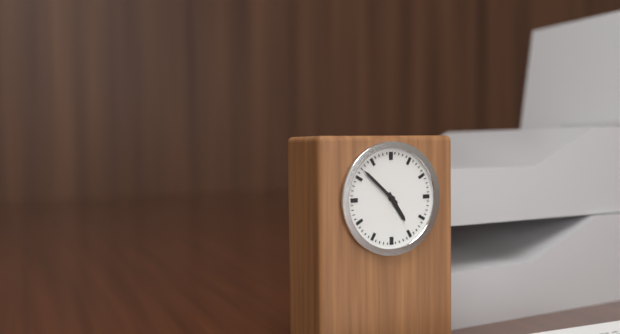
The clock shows h=4 m=52
